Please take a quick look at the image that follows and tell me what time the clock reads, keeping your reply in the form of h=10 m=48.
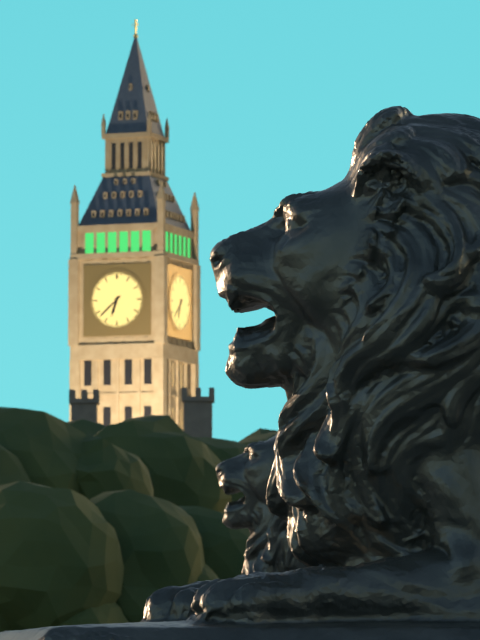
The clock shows h=6 m=38
